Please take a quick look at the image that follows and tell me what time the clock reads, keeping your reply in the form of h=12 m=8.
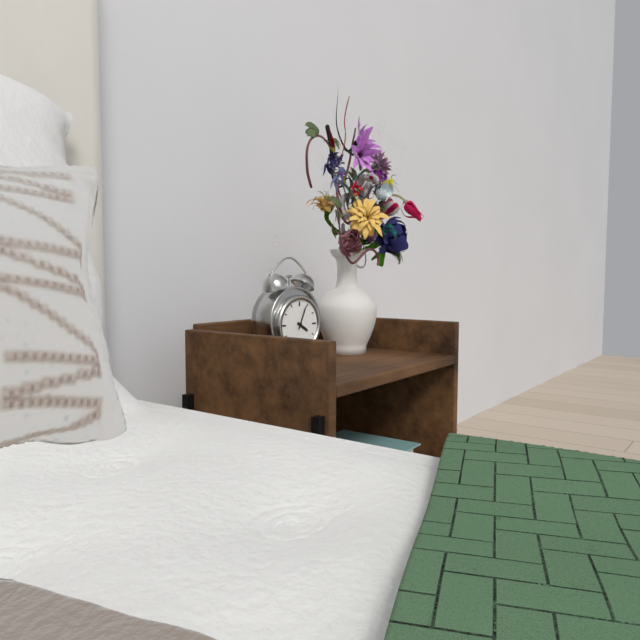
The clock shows h=4 m=4
